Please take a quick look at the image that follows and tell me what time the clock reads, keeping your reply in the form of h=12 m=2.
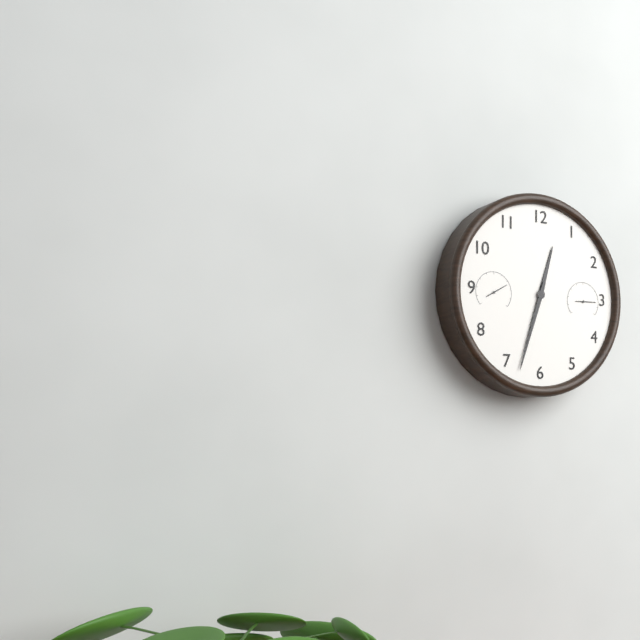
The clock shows h=12 m=33
